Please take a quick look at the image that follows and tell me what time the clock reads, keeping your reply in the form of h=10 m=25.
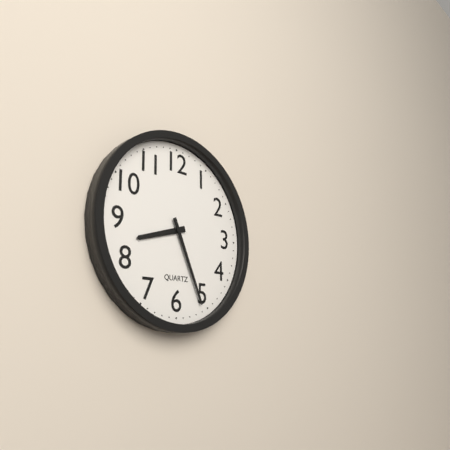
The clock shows h=8 m=26
